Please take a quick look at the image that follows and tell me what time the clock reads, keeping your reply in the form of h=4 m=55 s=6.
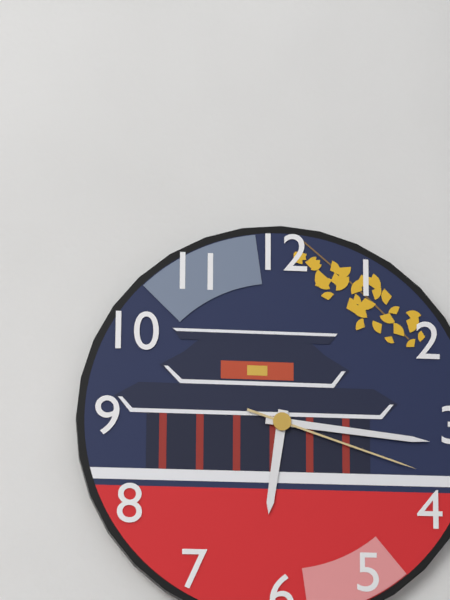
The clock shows h=6 m=16 s=18
